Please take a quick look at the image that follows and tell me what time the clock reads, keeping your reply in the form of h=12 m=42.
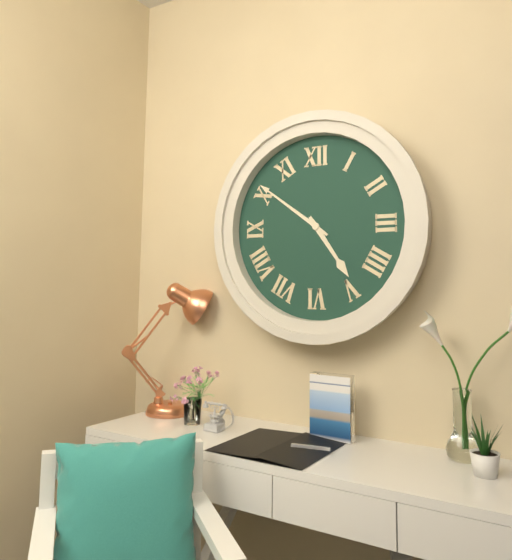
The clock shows h=4 m=51
